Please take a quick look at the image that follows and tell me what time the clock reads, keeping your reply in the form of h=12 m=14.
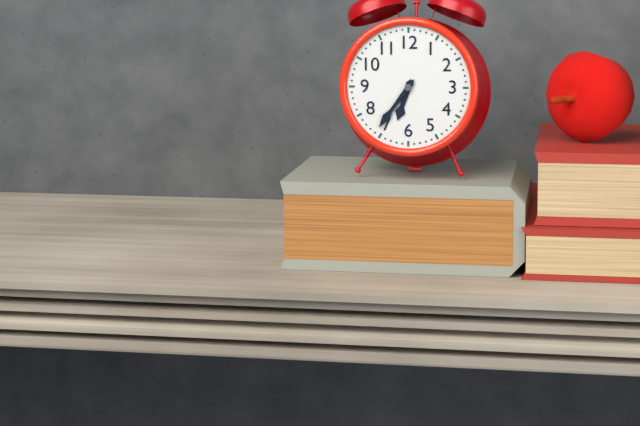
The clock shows h=6 m=36
